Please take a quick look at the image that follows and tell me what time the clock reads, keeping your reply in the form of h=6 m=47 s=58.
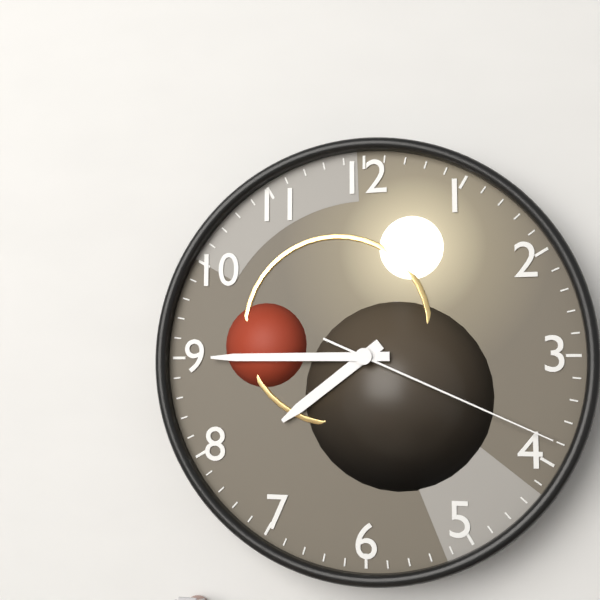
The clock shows h=7 m=45 s=19
